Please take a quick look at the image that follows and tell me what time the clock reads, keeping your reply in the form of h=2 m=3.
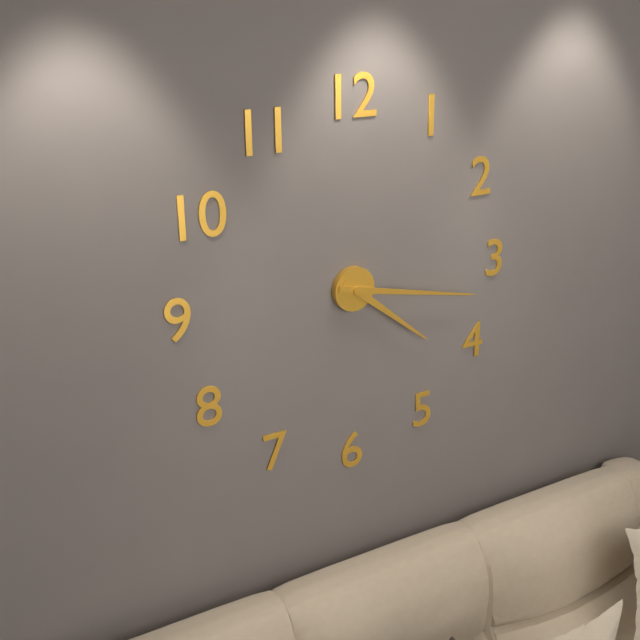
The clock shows h=4 m=17
